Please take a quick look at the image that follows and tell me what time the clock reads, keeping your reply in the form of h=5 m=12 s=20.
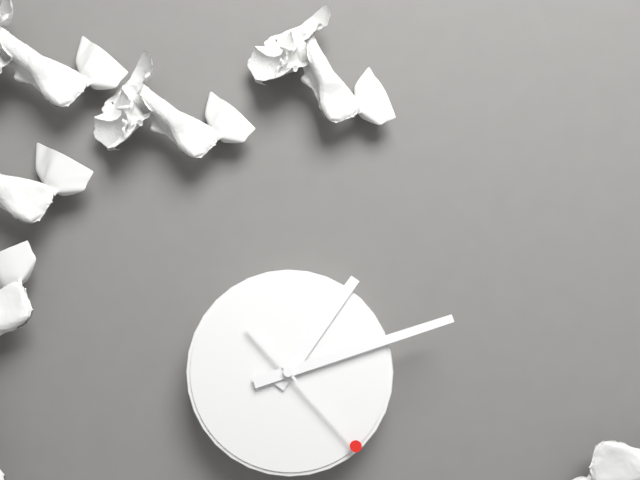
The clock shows h=1 m=12 s=23
